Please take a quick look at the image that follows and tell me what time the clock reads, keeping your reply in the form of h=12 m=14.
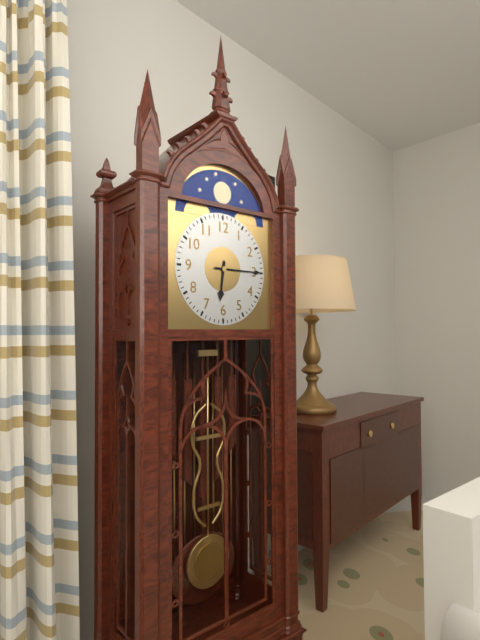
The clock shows h=6 m=15
